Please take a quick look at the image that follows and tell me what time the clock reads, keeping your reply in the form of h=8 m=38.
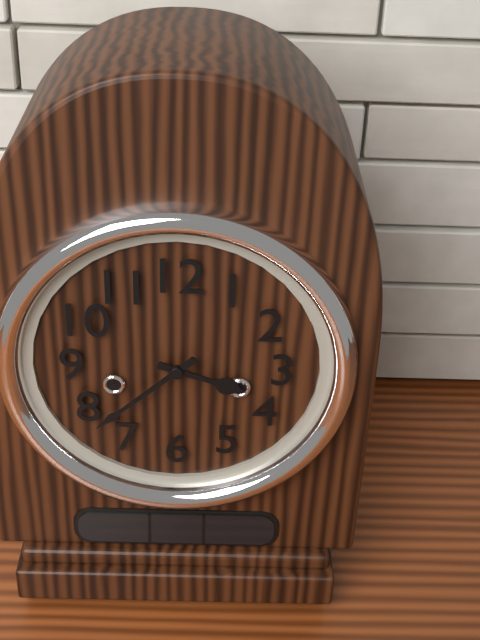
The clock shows h=3 m=38
